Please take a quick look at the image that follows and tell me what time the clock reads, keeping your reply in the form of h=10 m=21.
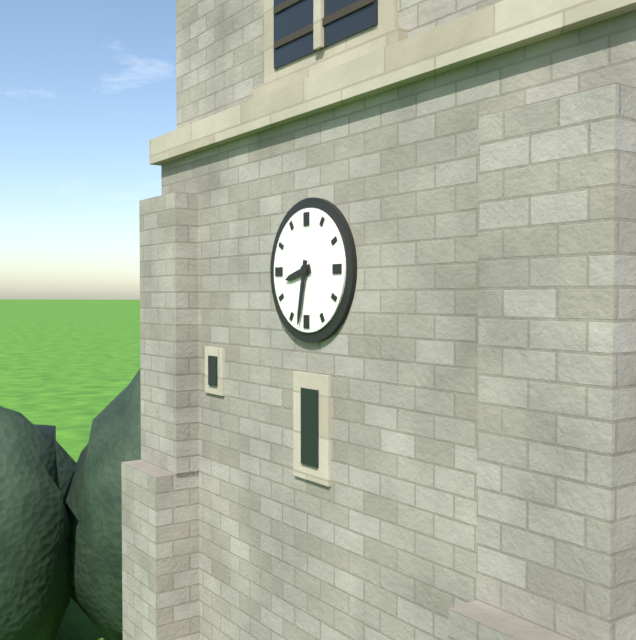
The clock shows h=8 m=32
